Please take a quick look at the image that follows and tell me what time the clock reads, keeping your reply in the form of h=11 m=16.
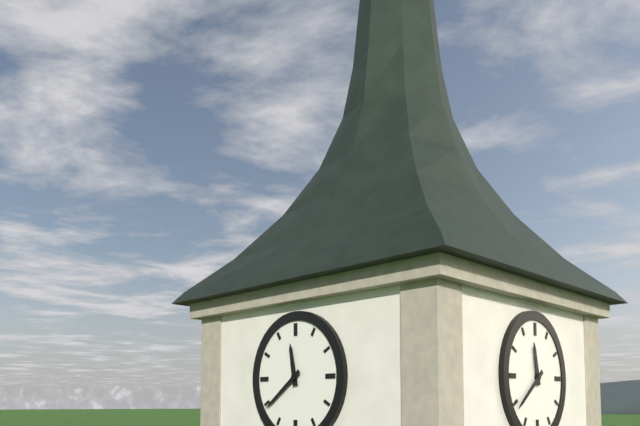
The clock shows h=11 m=39
